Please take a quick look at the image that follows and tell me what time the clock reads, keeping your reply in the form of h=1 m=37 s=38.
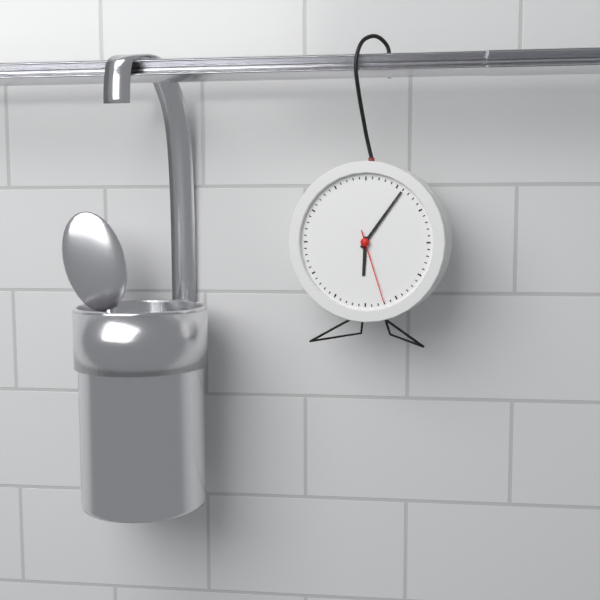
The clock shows h=6 m=6 s=27
